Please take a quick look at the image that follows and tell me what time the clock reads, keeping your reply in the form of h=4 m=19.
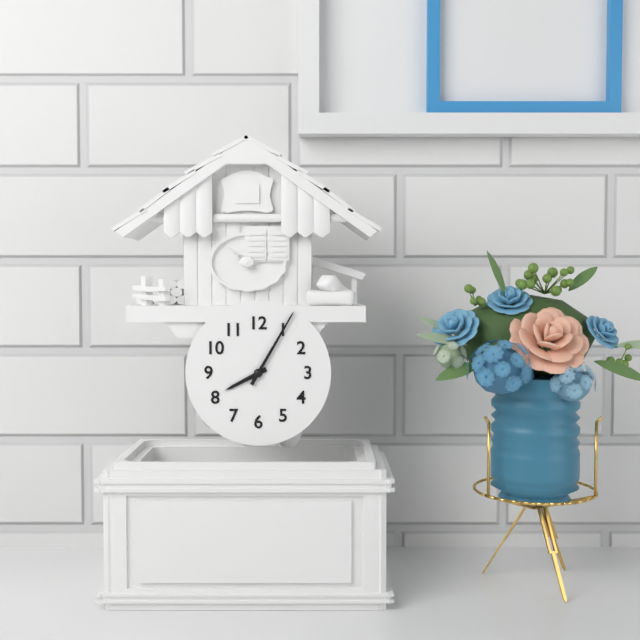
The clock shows h=8 m=5
